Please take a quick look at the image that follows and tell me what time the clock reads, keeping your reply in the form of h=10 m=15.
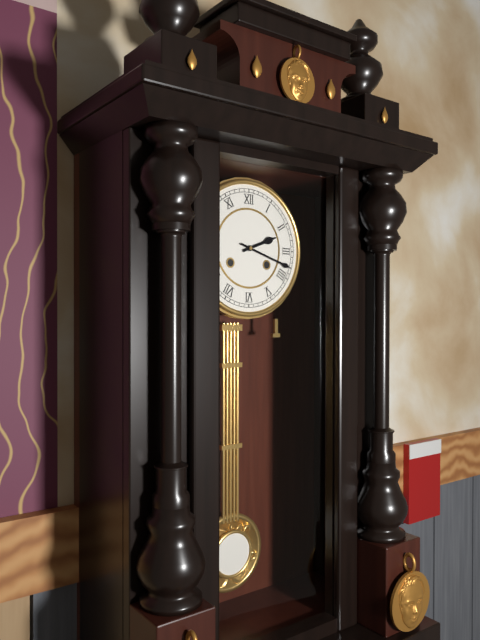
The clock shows h=2 m=18
